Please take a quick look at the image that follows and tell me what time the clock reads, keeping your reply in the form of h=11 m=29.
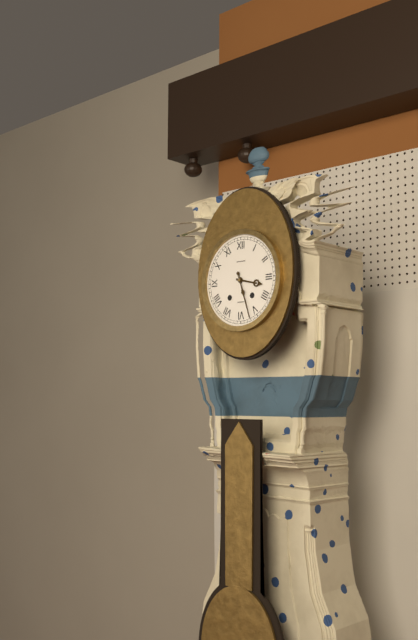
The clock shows h=3 m=27
